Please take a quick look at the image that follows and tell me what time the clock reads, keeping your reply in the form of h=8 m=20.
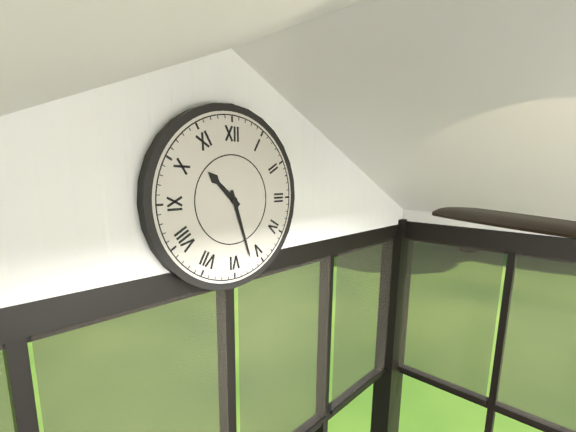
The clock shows h=10 m=27
